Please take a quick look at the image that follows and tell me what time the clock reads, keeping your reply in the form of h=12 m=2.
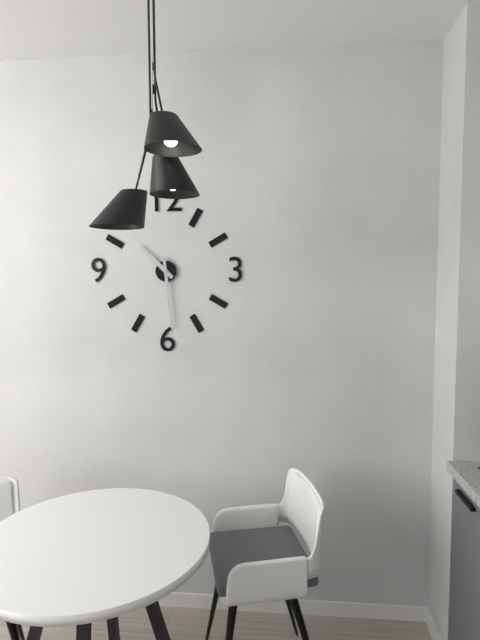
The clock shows h=10 m=29
